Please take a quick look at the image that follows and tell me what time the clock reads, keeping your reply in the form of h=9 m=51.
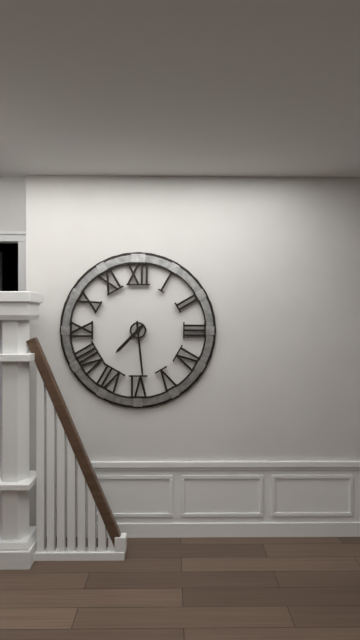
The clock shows h=7 m=29
